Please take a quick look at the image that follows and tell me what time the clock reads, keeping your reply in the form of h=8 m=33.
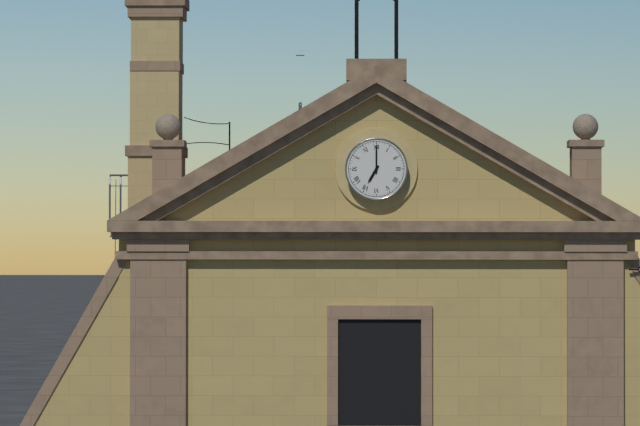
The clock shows h=7 m=0
